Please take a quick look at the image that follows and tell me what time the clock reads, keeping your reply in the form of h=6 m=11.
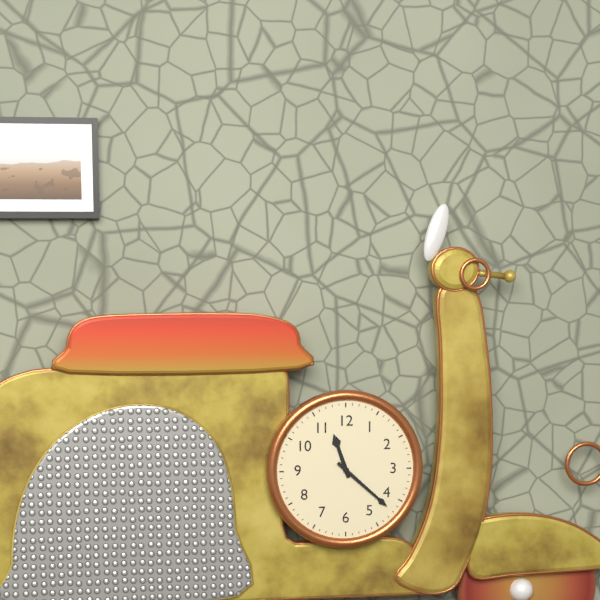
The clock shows h=11 m=22
